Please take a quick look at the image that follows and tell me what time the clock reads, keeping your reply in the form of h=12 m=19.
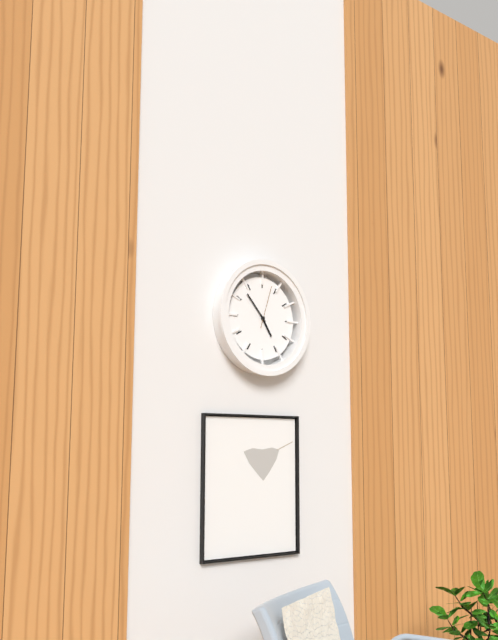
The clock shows h=4 m=53
